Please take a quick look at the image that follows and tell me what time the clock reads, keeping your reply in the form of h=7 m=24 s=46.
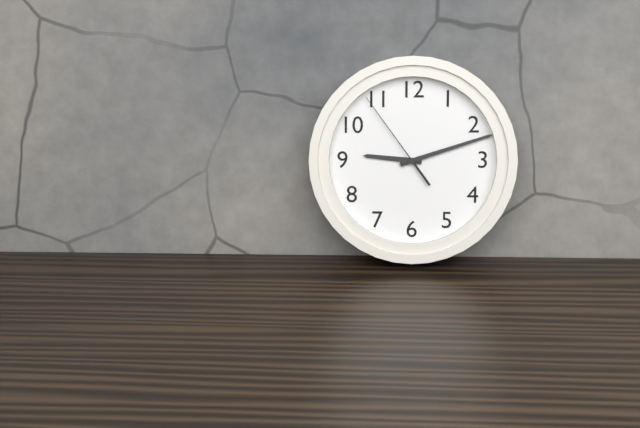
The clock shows h=9 m=12 s=54
